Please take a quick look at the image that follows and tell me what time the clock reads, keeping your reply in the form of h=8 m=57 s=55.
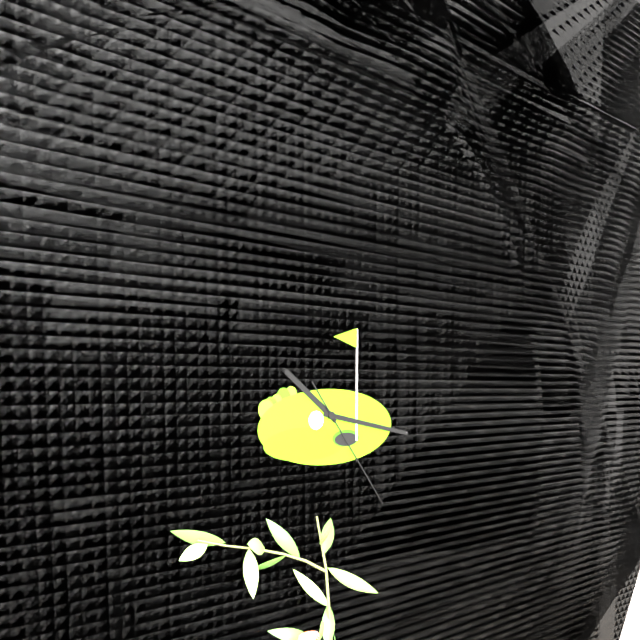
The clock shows h=10 m=17 s=24
